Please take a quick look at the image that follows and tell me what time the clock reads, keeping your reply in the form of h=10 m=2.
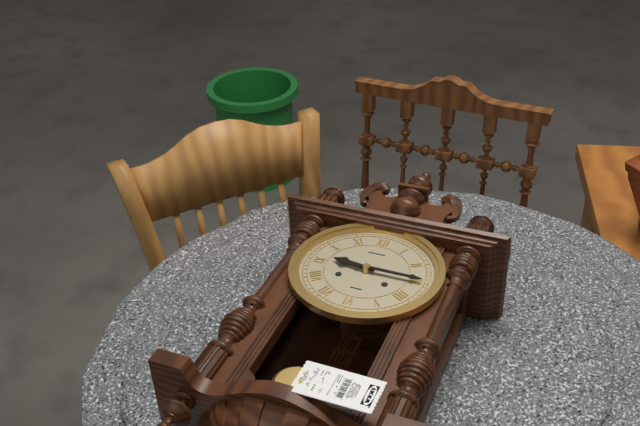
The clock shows h=9 m=15
